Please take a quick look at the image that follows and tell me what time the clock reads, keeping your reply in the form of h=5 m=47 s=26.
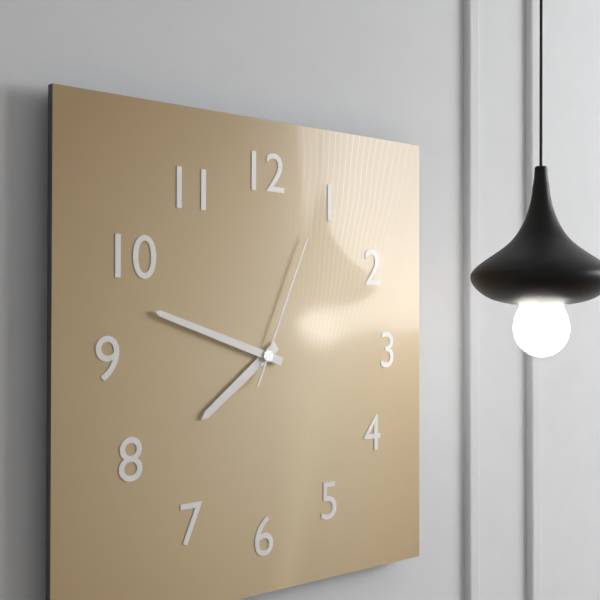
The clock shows h=7 m=48 s=4
